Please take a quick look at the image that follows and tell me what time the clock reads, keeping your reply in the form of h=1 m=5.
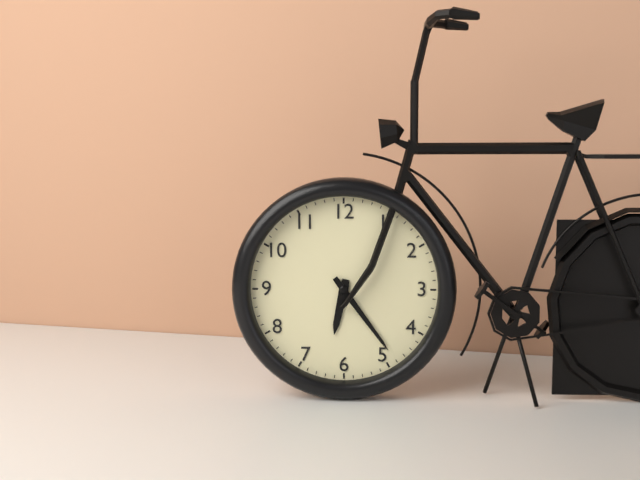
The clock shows h=6 m=24
